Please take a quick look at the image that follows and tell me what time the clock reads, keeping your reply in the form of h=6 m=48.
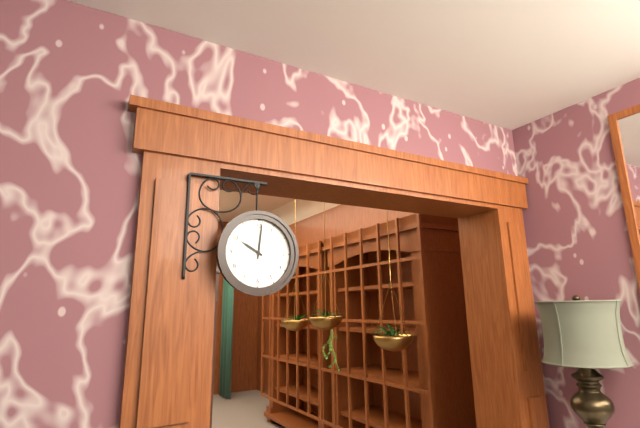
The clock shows h=10 m=1
